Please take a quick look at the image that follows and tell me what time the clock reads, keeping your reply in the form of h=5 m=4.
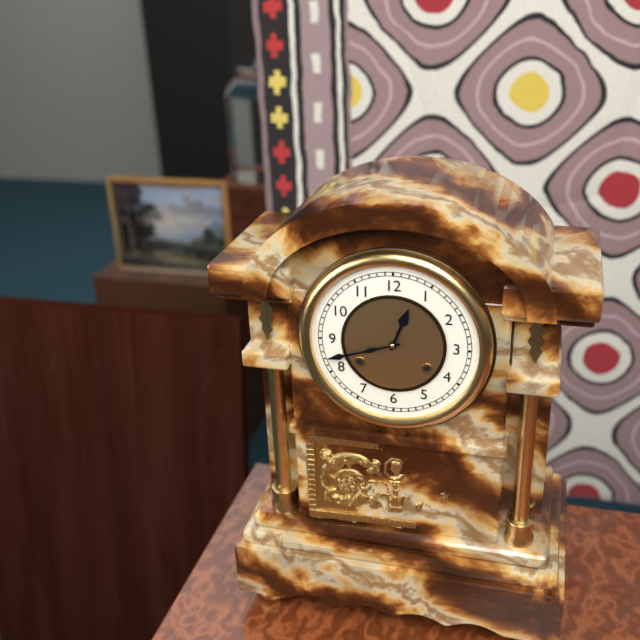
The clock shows h=12 m=42
